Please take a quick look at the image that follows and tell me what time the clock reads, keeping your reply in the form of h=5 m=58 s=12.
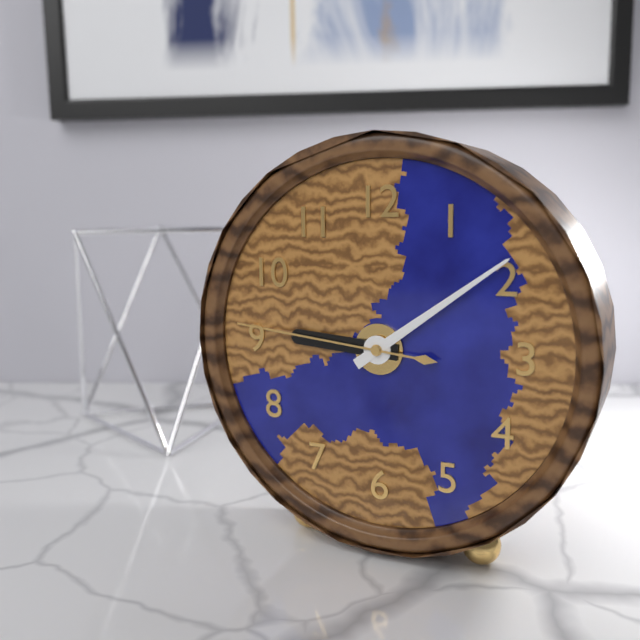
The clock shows h=9 m=9 s=46
